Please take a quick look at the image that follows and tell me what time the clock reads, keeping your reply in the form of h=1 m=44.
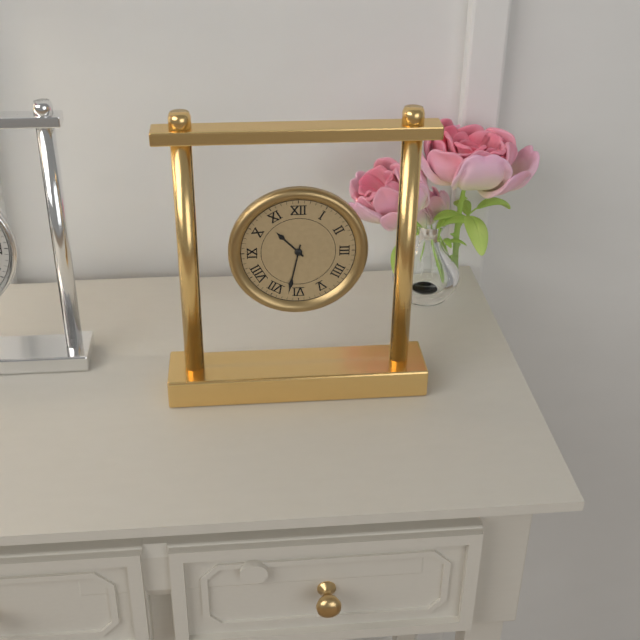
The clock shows h=10 m=32
